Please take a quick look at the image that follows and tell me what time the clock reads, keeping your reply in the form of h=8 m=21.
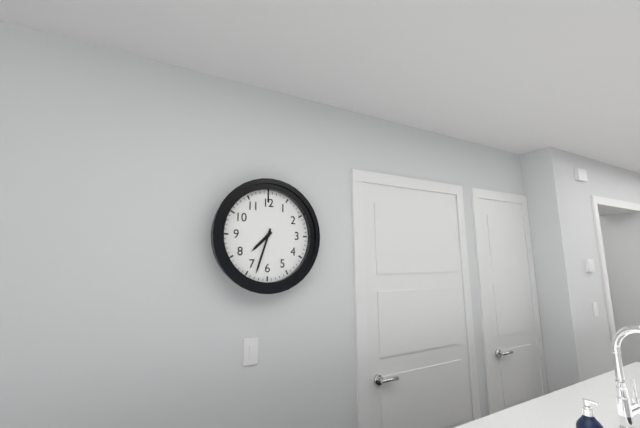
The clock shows h=7 m=33
